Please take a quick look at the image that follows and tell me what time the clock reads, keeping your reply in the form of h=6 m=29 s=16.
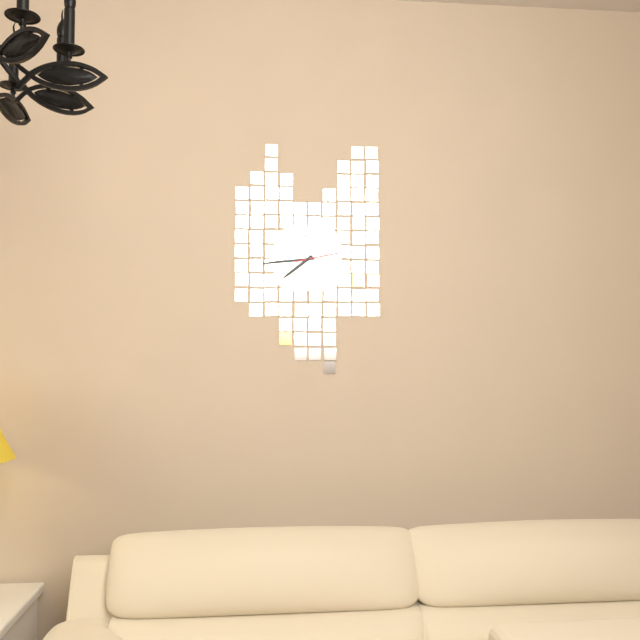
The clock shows h=7 m=44 s=13
